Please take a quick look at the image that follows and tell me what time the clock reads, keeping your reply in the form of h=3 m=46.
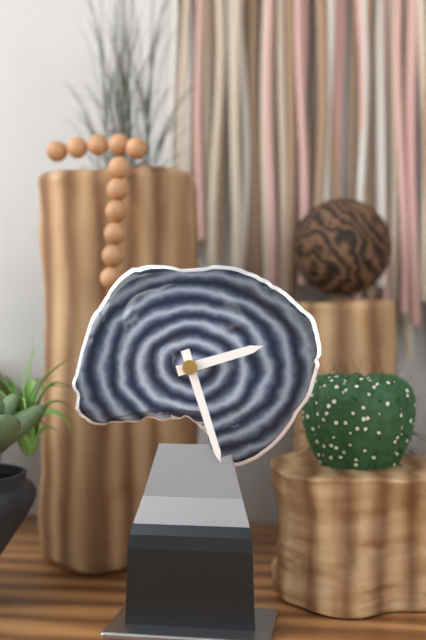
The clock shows h=2 m=27
